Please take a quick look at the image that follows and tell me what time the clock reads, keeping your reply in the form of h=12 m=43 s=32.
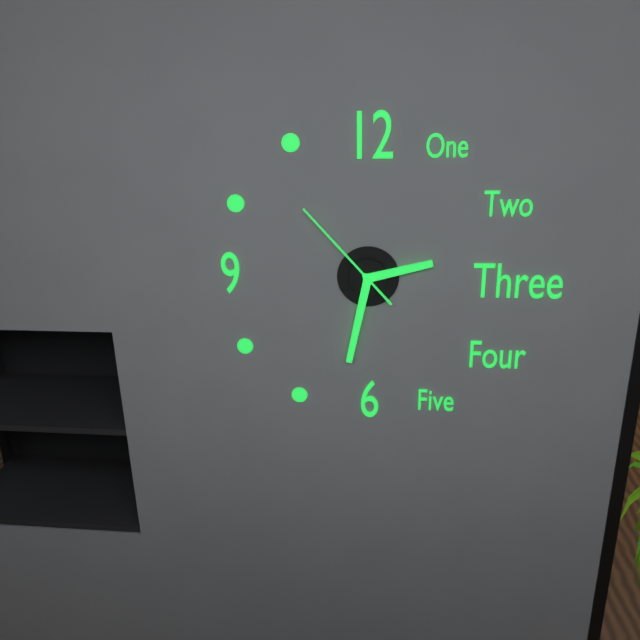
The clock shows h=2 m=32 s=53
